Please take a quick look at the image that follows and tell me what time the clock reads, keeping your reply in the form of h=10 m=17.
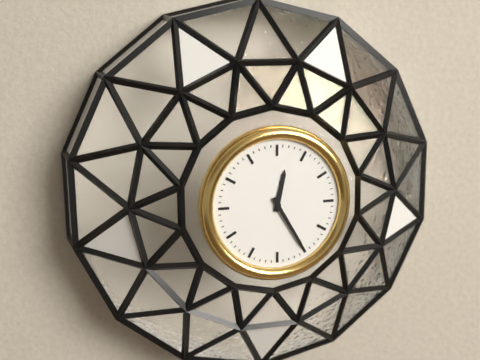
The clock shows h=12 m=25
